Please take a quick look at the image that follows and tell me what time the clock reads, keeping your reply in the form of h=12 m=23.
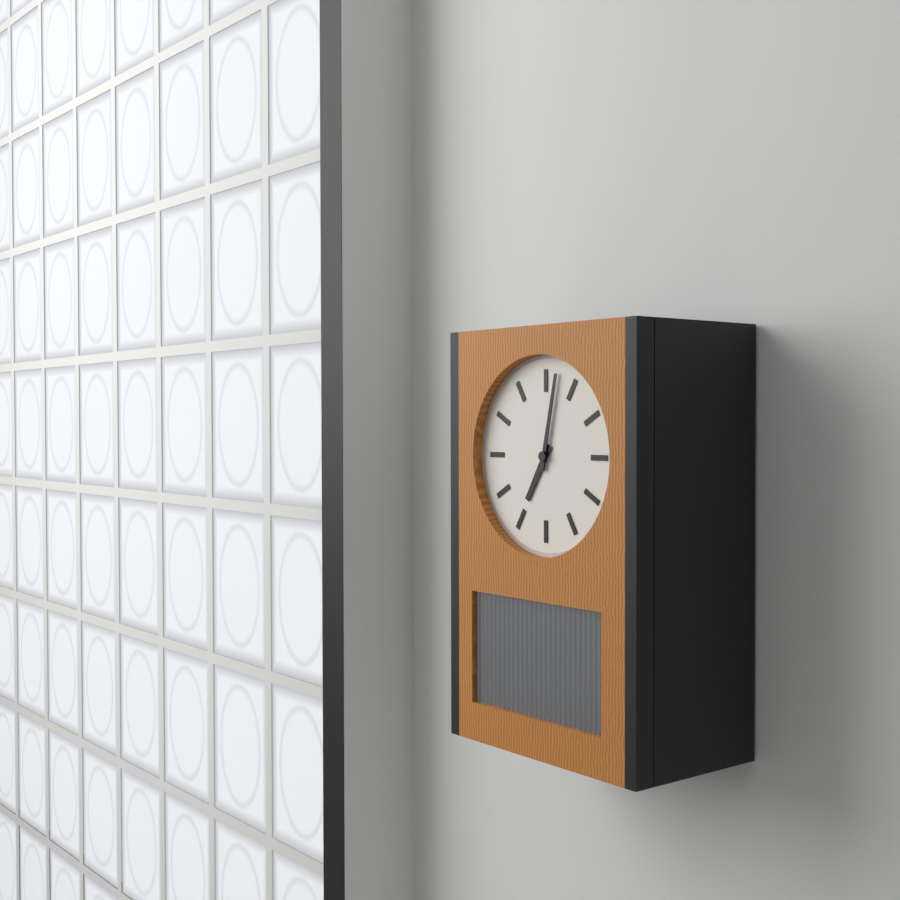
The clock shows h=7 m=2
